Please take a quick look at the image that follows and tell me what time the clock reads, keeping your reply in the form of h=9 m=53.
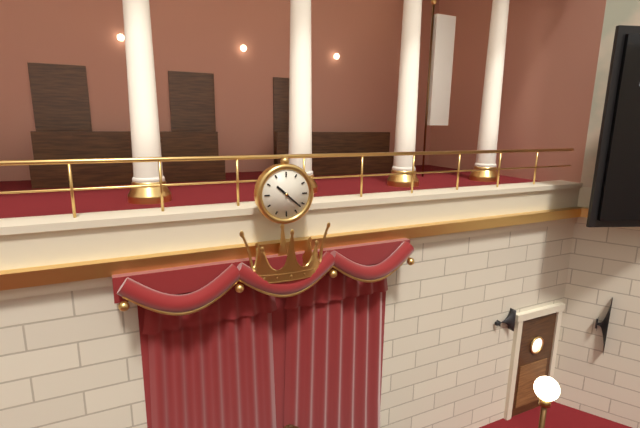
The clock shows h=10 m=22
